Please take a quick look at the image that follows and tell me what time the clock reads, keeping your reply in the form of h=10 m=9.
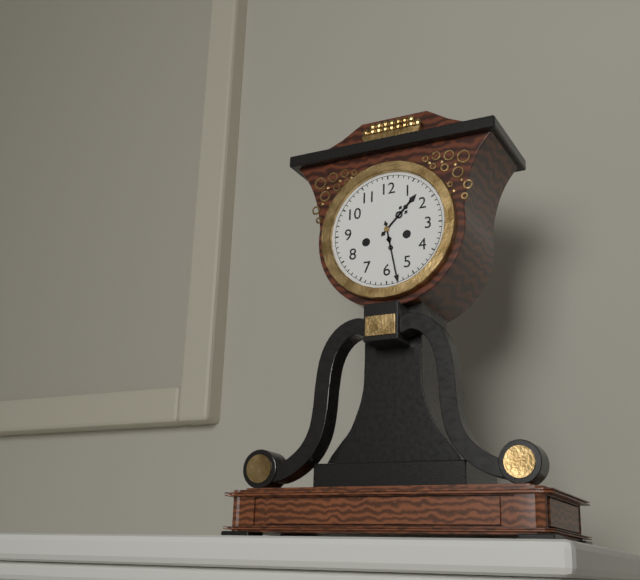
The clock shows h=1 m=28
